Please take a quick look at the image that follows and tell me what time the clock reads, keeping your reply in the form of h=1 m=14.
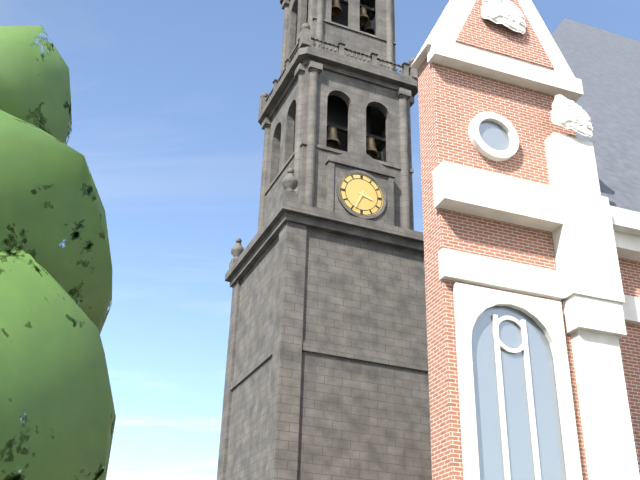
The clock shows h=3 m=34
